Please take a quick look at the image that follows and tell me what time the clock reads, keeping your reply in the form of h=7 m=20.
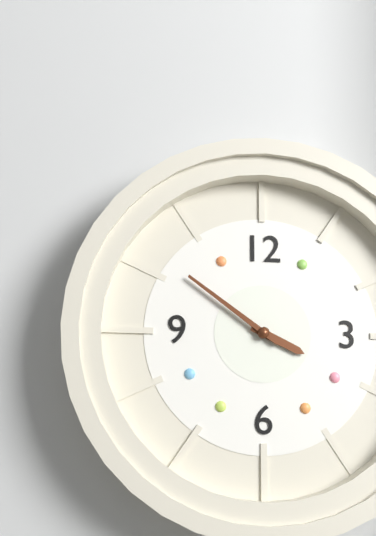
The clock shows h=3 m=51
